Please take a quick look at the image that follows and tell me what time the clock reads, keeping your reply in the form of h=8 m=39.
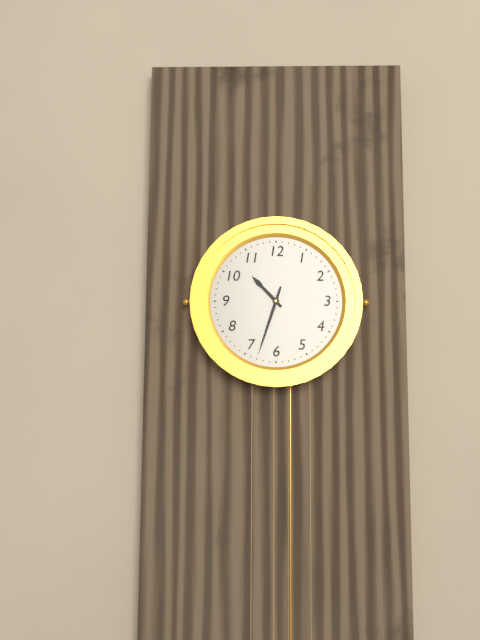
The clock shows h=10 m=33
